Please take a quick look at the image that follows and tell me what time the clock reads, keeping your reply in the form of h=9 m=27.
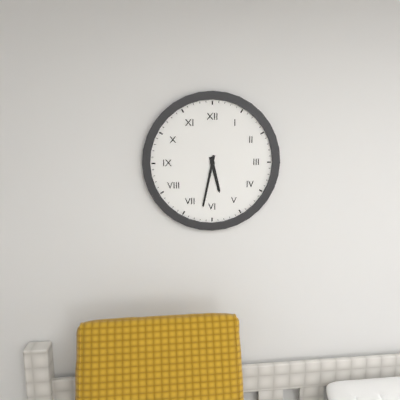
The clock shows h=5 m=32
